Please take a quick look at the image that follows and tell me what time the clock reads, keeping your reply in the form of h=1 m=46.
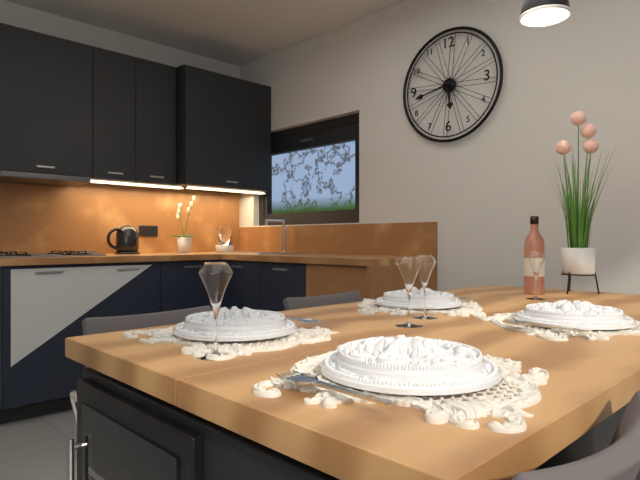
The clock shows h=5 m=43
